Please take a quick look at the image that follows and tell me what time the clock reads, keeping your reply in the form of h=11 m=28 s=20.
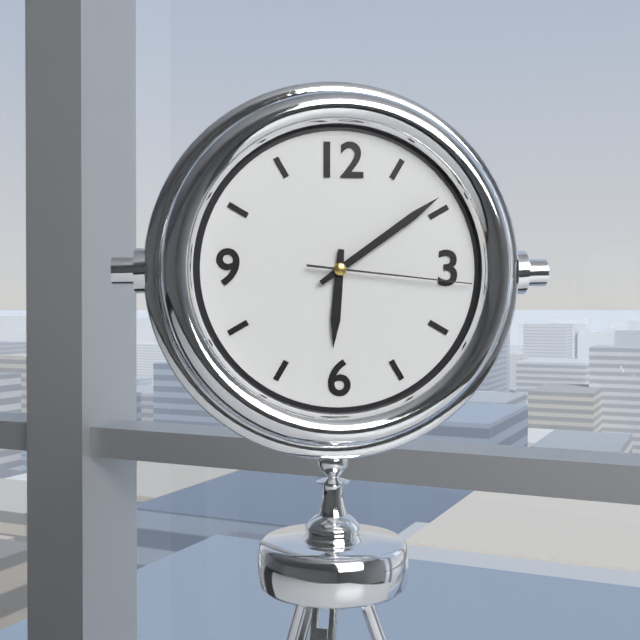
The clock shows h=6 m=9 s=16
